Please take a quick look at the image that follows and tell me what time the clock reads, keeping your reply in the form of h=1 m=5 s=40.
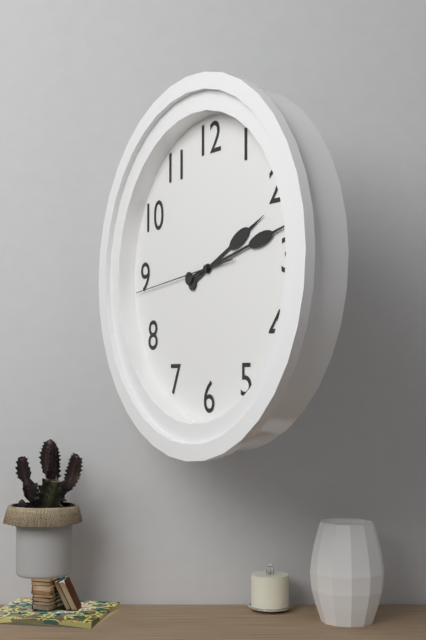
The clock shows h=2 m=13 s=44
